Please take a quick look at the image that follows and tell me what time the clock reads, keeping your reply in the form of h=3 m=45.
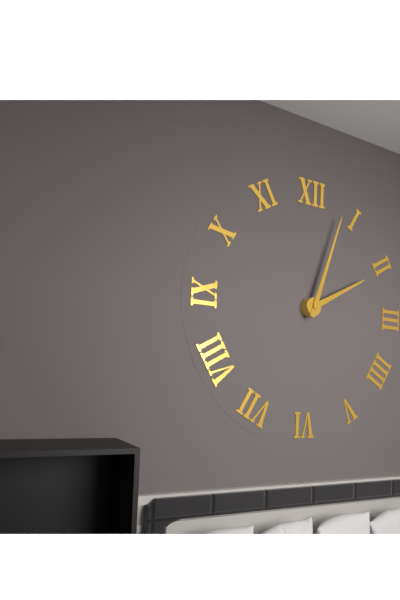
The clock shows h=2 m=3
